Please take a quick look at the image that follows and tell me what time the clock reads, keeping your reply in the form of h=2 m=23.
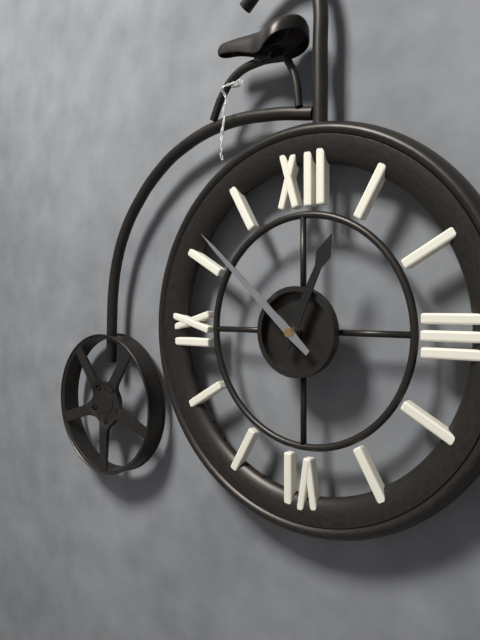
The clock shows h=12 m=52
